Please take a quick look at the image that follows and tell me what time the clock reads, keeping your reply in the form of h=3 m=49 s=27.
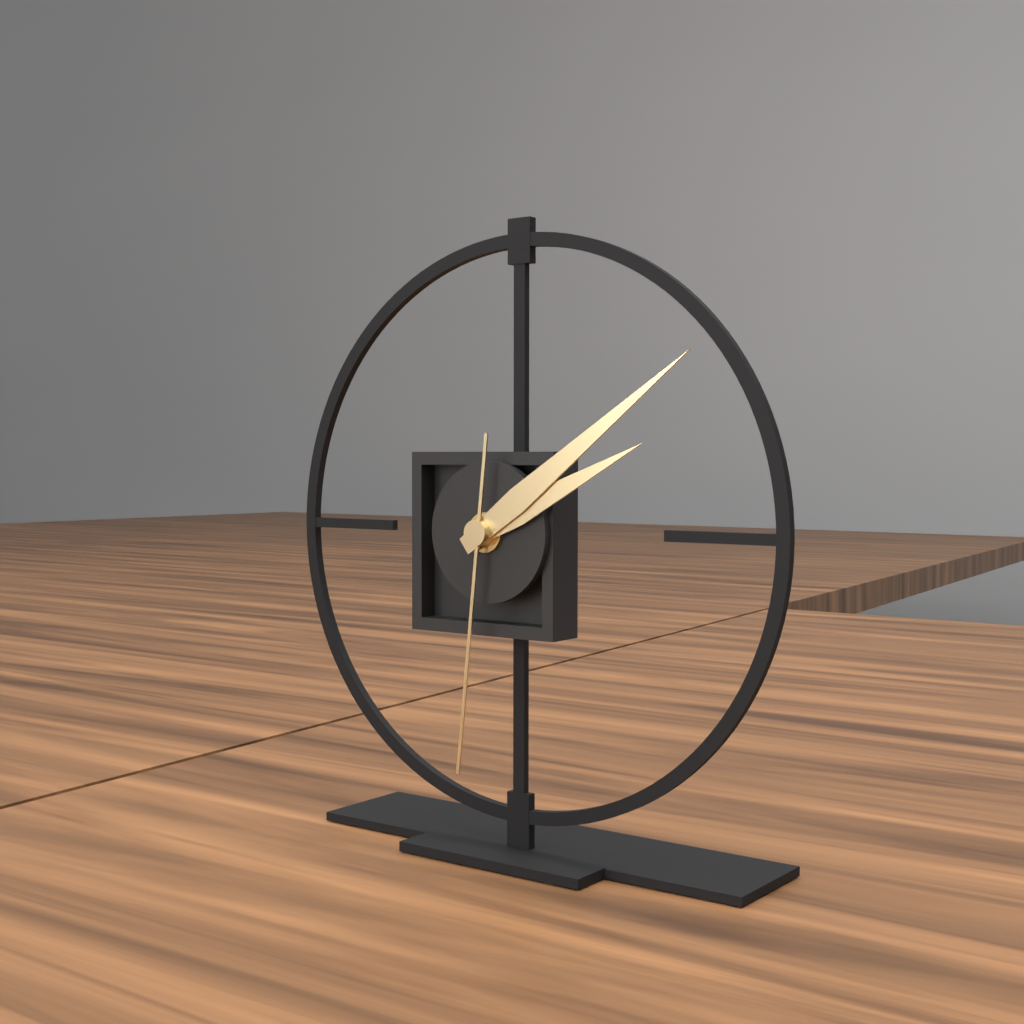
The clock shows h=2 m=9 s=31
